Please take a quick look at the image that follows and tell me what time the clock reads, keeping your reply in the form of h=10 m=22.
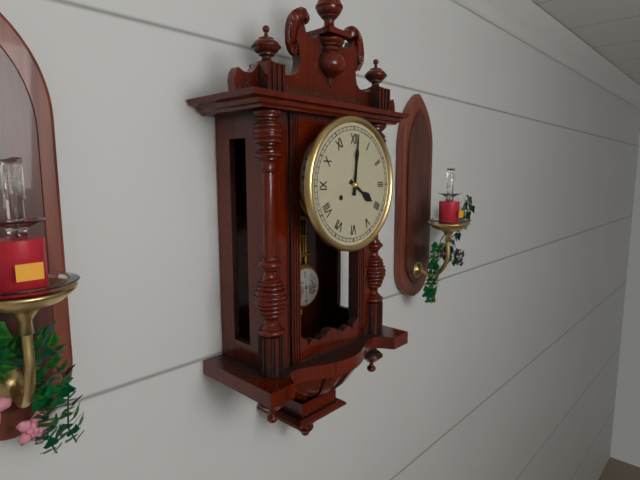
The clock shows h=4 m=1
